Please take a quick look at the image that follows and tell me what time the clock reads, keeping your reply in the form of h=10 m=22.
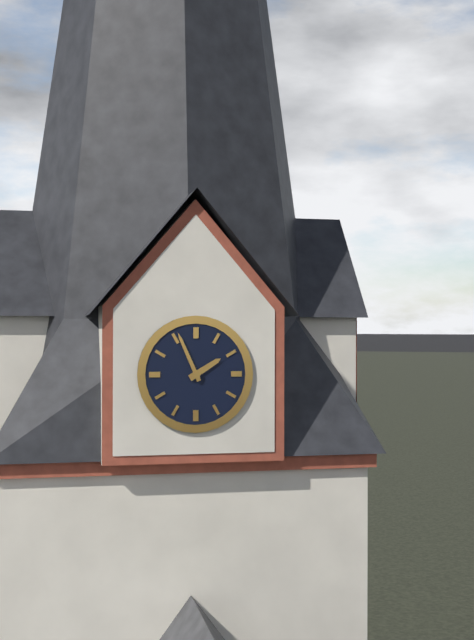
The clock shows h=1 m=56
